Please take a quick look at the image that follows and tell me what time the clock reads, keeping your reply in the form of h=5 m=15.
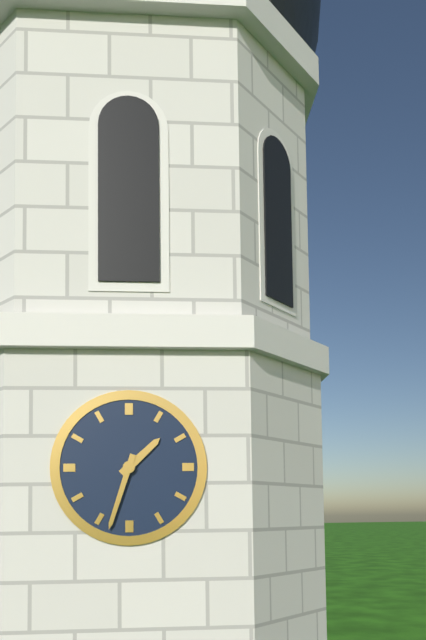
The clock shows h=1 m=33
